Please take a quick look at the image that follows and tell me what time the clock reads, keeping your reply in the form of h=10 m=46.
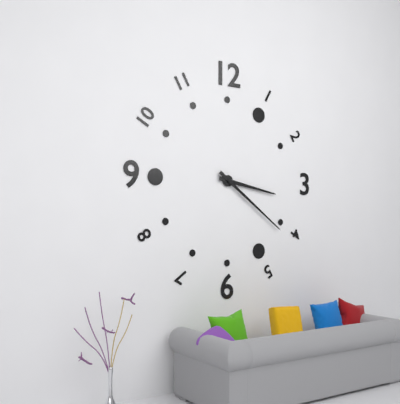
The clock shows h=3 m=21
